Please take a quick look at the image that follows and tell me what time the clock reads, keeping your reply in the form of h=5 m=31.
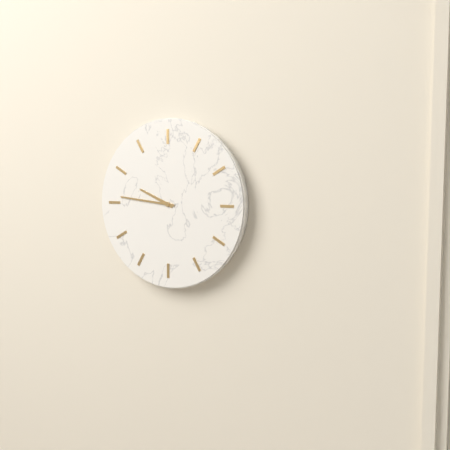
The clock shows h=9 m=46
